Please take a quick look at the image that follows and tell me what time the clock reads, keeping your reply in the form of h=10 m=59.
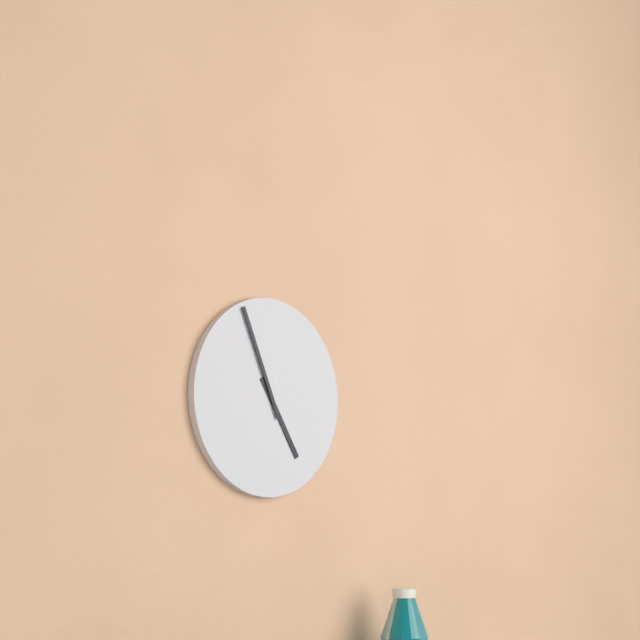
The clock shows h=4 m=56
